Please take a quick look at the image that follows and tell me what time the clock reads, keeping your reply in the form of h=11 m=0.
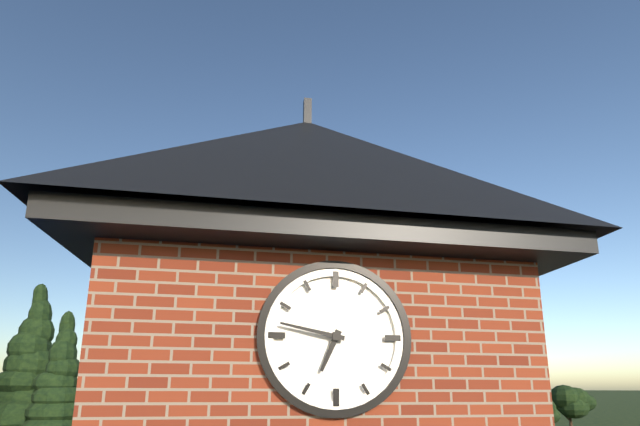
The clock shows h=6 m=47
